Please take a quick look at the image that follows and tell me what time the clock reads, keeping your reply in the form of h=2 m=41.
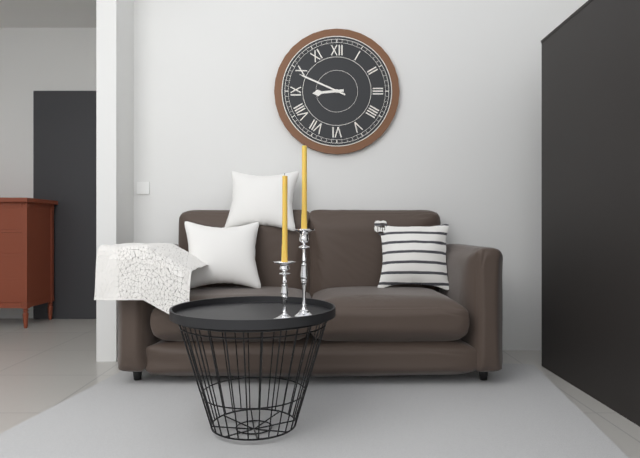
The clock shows h=8 m=49
